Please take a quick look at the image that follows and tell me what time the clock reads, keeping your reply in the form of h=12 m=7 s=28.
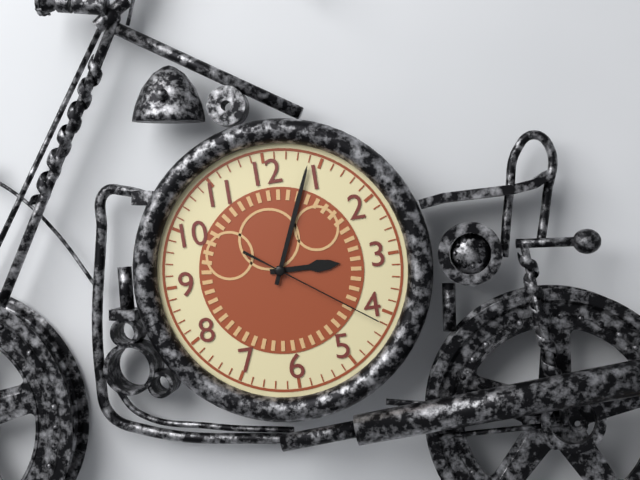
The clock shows h=3 m=4 s=21
